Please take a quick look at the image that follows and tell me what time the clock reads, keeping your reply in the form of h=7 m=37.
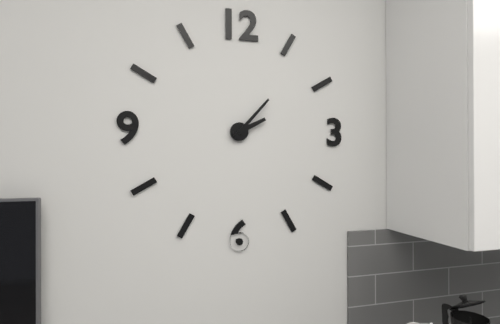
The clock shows h=2 m=7
